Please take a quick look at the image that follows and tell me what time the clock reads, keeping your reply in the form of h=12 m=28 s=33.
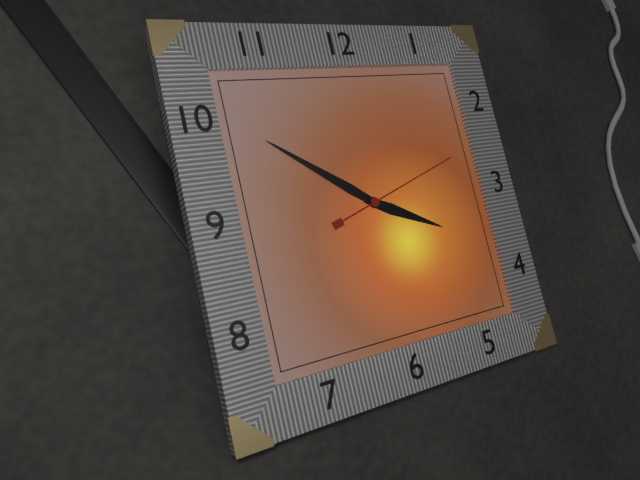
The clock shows h=3 m=51 s=12
